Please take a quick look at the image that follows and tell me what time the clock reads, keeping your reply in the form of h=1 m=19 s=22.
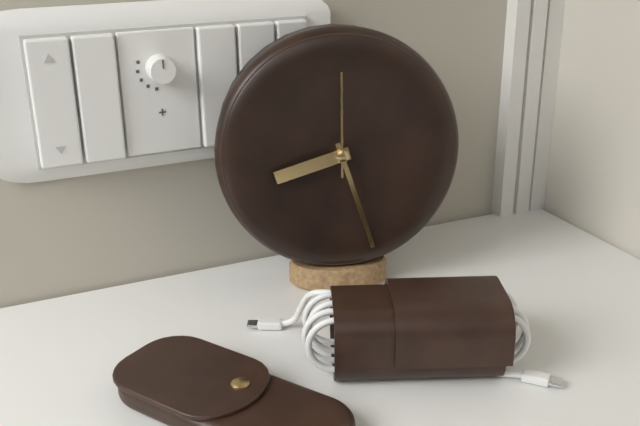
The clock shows h=8 m=27 s=0
